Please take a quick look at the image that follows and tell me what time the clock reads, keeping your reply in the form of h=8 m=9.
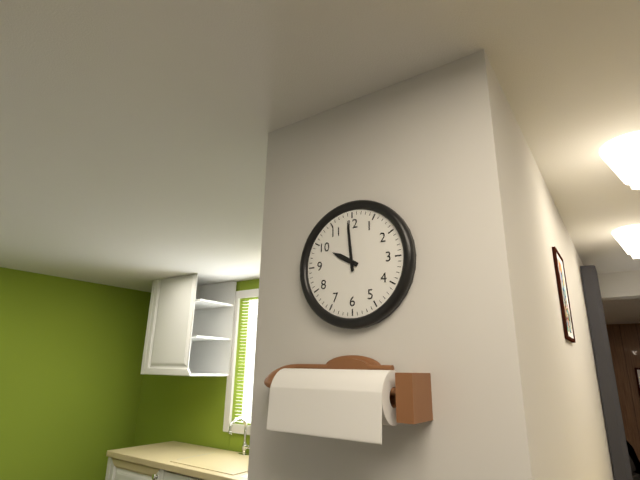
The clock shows h=9 m=59
